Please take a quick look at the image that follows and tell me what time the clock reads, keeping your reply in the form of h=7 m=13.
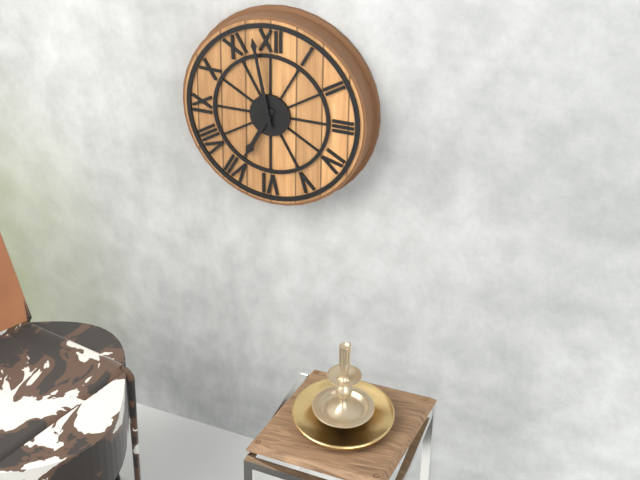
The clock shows h=6 m=58
